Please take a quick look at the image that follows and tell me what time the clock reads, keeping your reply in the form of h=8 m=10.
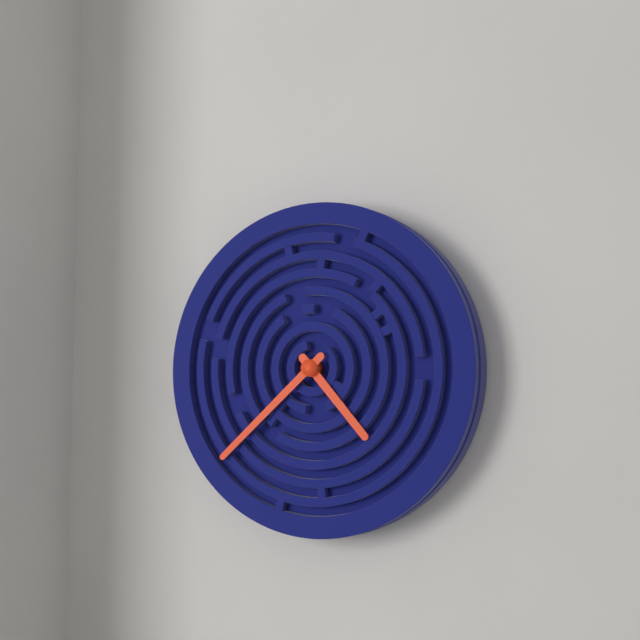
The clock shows h=4 m=38
